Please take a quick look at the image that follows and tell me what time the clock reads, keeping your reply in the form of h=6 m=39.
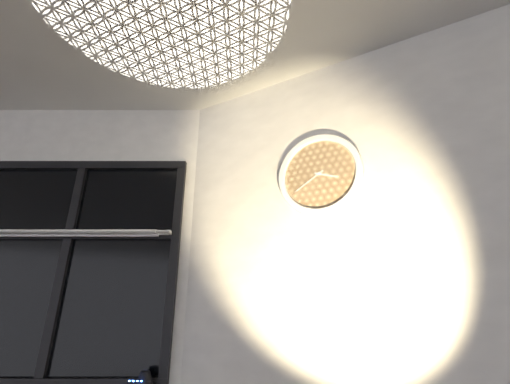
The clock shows h=3 m=40
